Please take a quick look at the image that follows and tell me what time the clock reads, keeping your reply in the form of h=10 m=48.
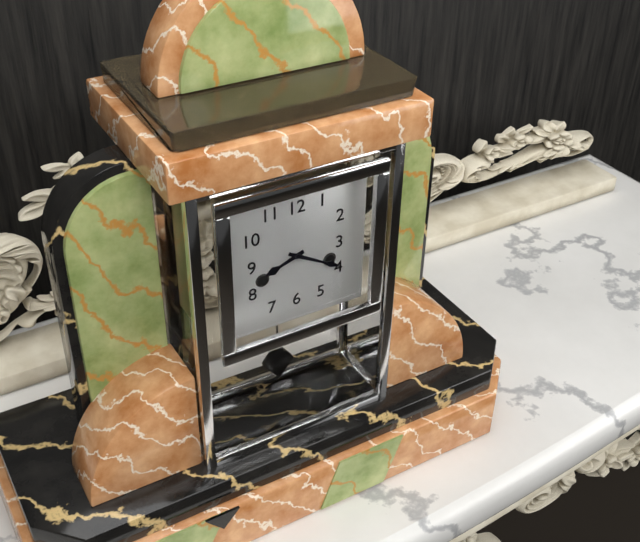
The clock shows h=8 m=20
